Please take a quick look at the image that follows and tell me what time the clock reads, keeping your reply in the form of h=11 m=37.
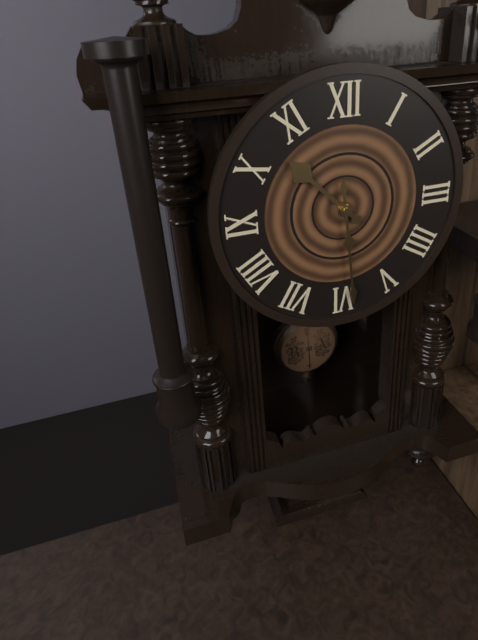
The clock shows h=10 m=29
